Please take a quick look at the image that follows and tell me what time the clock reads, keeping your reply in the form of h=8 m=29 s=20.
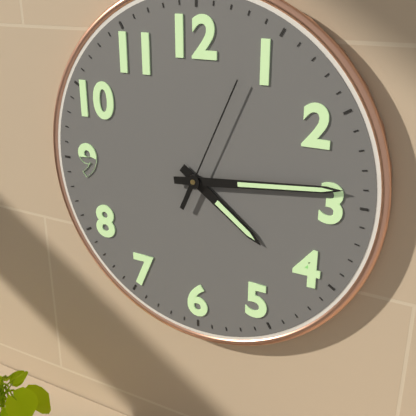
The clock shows h=4 m=14 s=4
